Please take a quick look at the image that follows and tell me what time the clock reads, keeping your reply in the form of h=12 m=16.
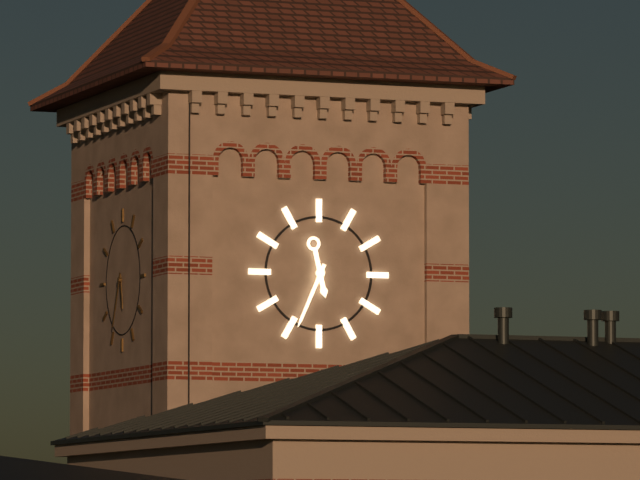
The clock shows h=5 m=34
